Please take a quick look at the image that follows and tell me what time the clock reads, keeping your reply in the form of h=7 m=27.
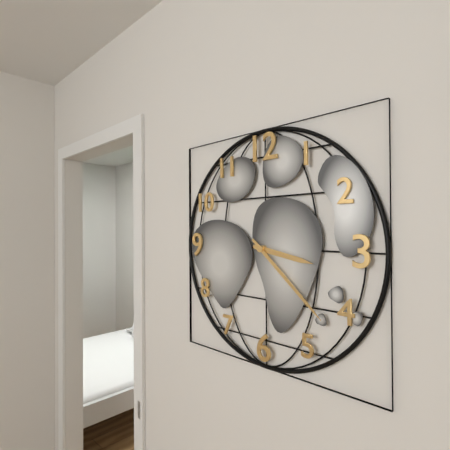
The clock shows h=3 m=22
